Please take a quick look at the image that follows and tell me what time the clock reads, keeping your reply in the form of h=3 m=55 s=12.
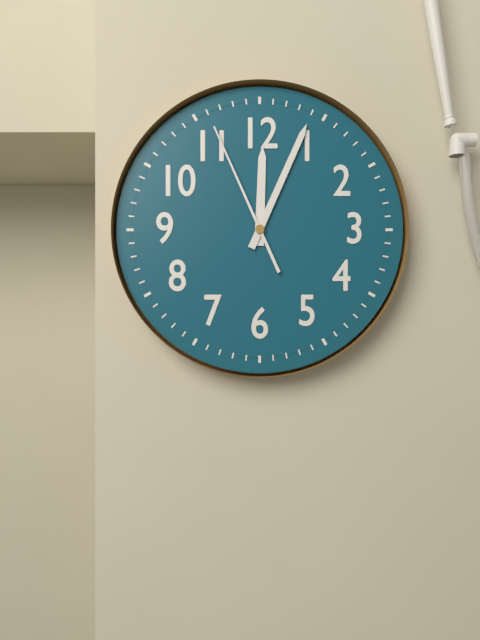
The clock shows h=12 m=4 s=56
